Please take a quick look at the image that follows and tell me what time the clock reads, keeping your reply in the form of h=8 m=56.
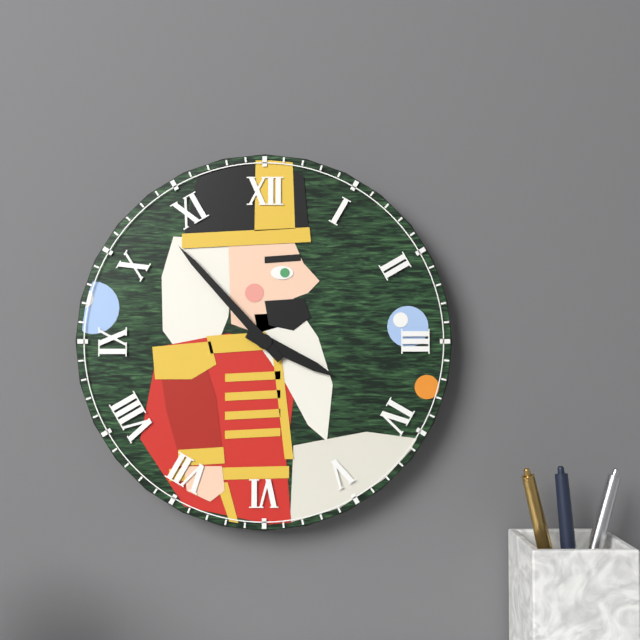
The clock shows h=3 m=53
